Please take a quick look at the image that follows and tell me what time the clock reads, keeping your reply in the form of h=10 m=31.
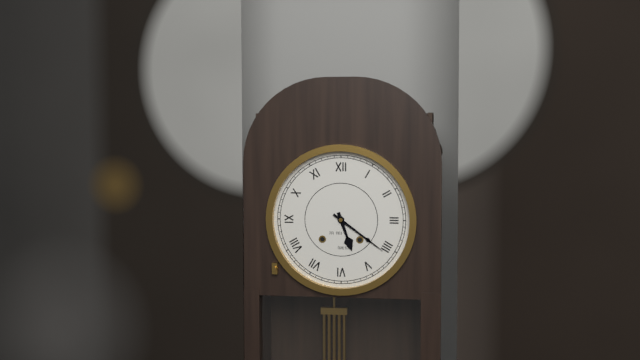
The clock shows h=5 m=21
